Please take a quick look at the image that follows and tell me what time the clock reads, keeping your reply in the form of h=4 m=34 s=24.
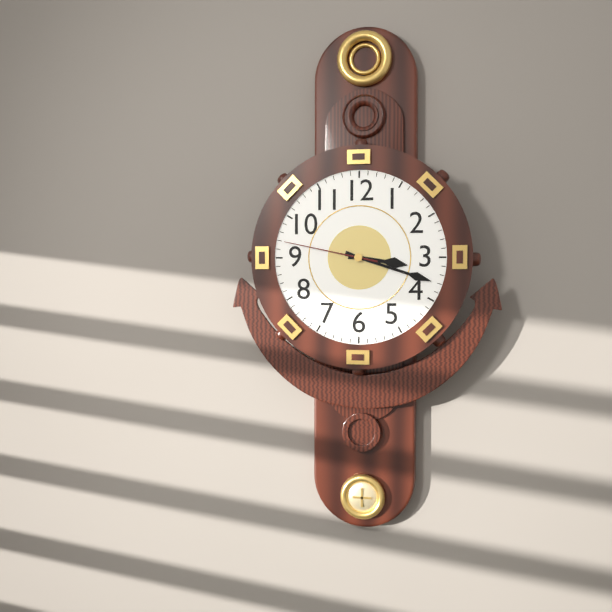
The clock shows h=3 m=18 s=47
